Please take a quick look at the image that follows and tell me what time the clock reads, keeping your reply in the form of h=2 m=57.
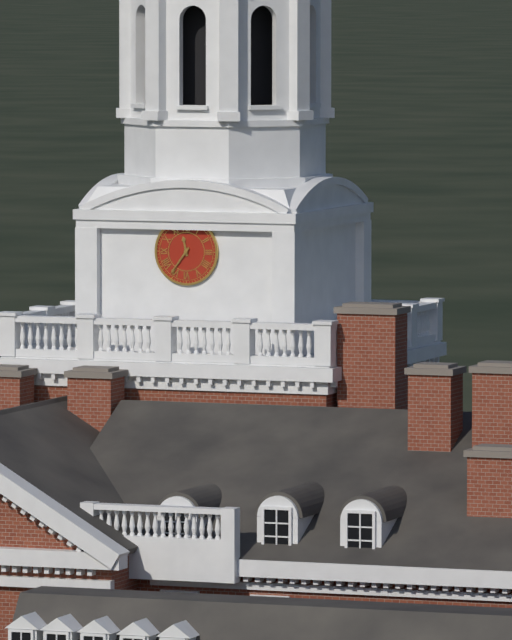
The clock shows h=11 m=36
